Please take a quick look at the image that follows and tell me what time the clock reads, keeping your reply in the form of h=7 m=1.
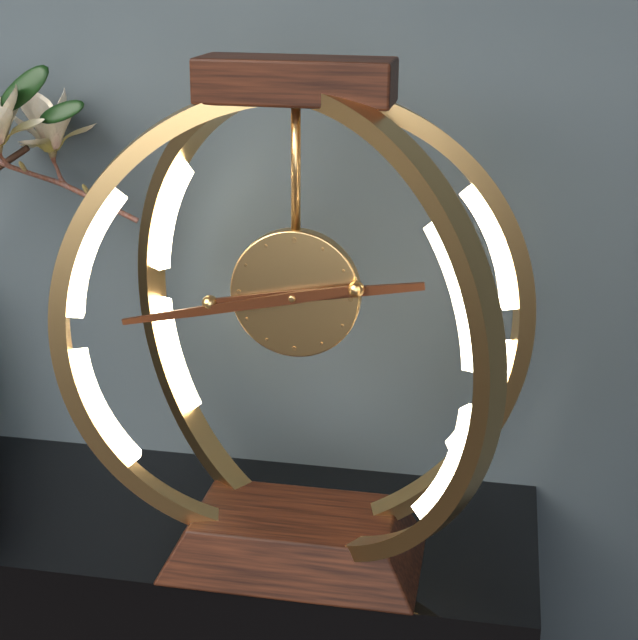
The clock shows h=2 m=43
